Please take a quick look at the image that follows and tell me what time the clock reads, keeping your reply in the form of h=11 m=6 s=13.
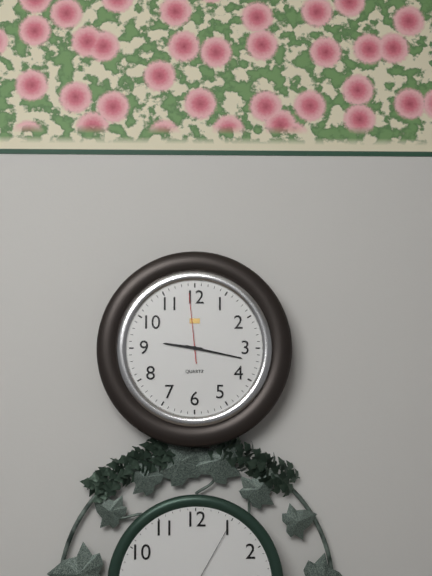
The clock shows h=9 m=17 s=59
